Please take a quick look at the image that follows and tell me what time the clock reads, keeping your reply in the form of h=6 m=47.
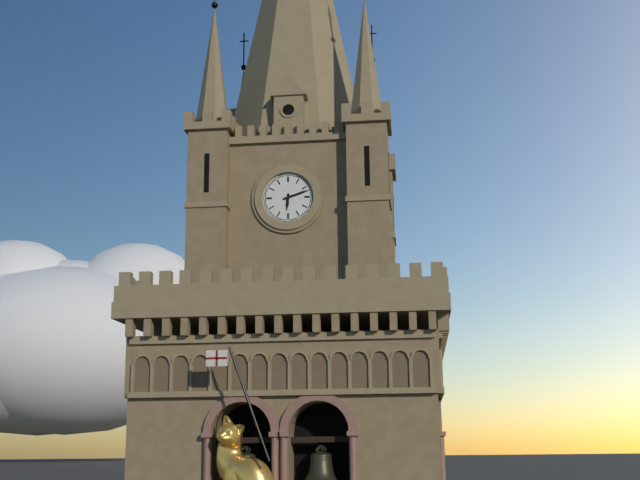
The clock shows h=6 m=12
